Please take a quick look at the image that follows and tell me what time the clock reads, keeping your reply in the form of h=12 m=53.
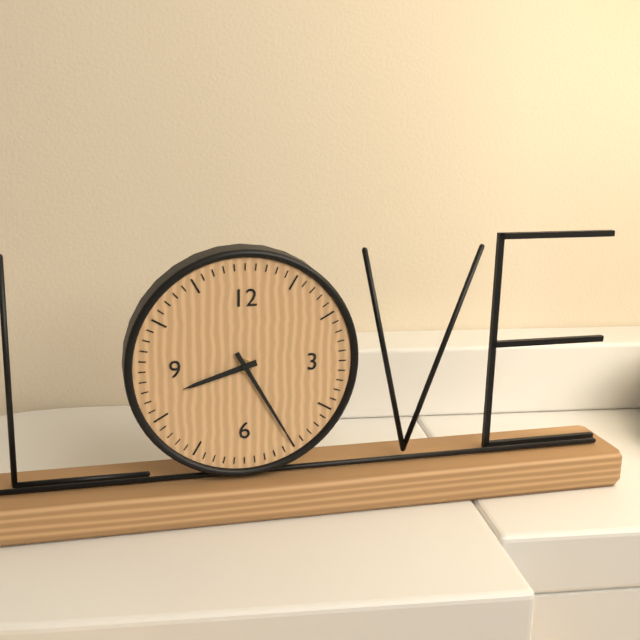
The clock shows h=8 m=25
